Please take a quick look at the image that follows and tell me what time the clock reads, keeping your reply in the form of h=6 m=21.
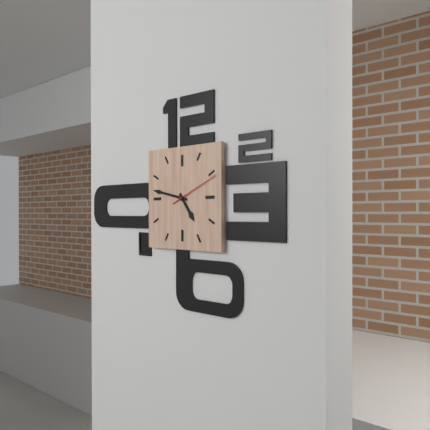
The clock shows h=4 m=47
